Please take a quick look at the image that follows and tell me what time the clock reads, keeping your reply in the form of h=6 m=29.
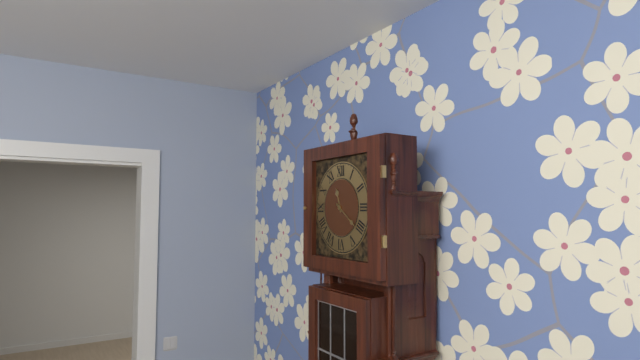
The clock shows h=11 m=21
